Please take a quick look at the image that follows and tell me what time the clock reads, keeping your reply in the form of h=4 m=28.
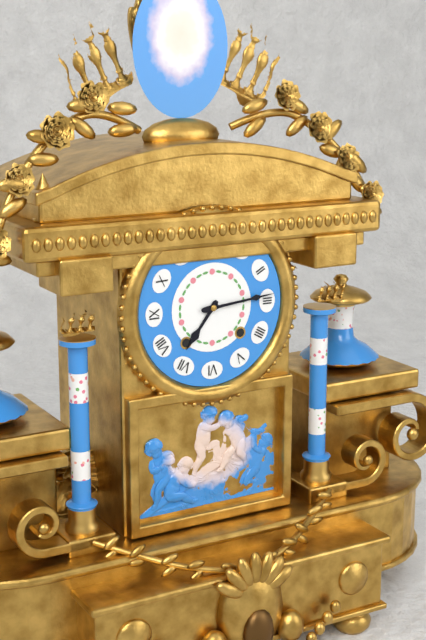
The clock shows h=7 m=14
